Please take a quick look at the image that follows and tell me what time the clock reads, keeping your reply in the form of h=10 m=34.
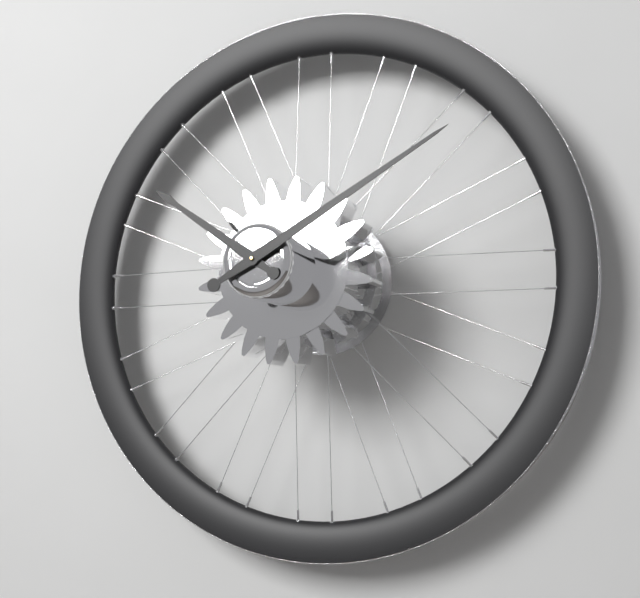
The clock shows h=10 m=10
